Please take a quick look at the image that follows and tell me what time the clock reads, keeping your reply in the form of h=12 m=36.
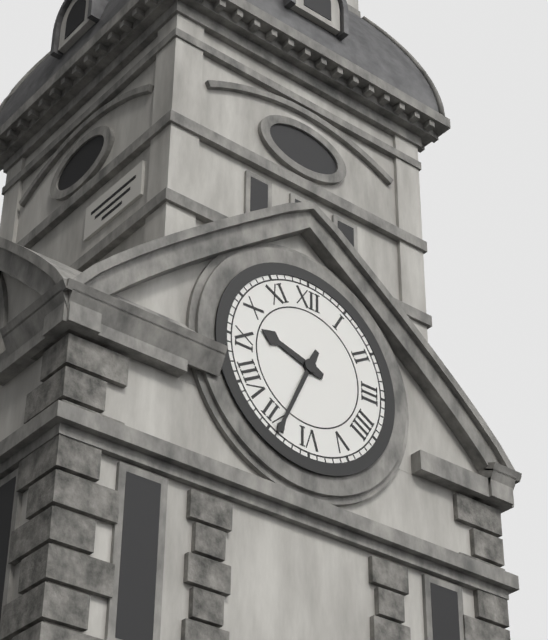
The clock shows h=9 m=34
